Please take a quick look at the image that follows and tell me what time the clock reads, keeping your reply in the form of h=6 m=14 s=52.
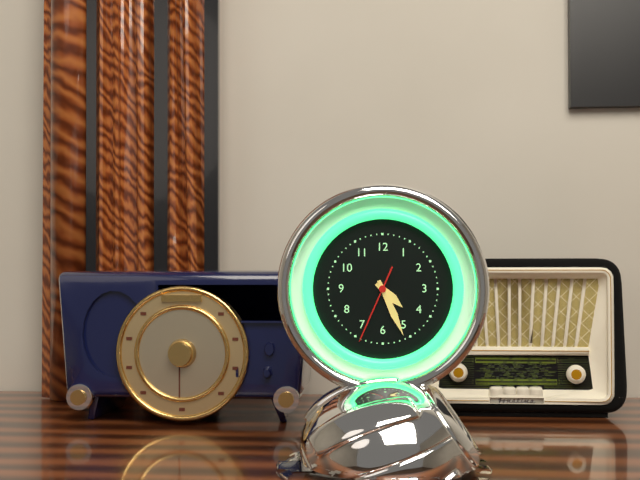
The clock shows h=4 m=26 s=34
